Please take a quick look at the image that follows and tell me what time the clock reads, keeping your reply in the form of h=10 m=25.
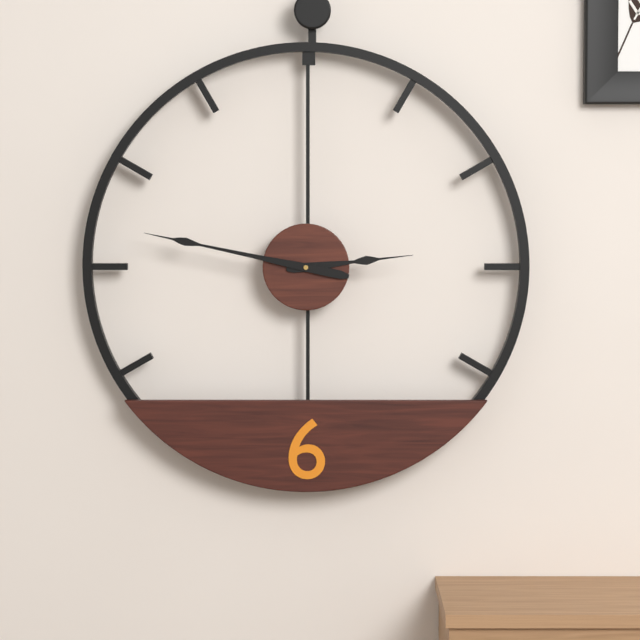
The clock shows h=2 m=47
